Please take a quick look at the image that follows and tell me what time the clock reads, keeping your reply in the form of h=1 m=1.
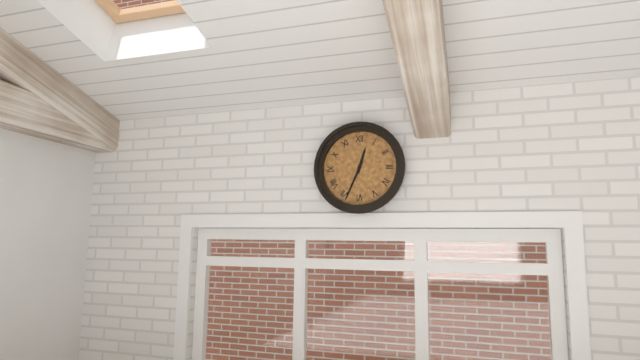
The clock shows h=12 m=34
